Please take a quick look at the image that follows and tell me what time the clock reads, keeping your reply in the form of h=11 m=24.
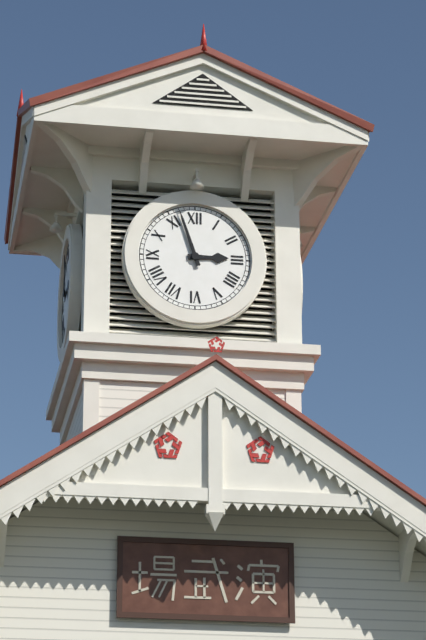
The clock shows h=2 m=57
